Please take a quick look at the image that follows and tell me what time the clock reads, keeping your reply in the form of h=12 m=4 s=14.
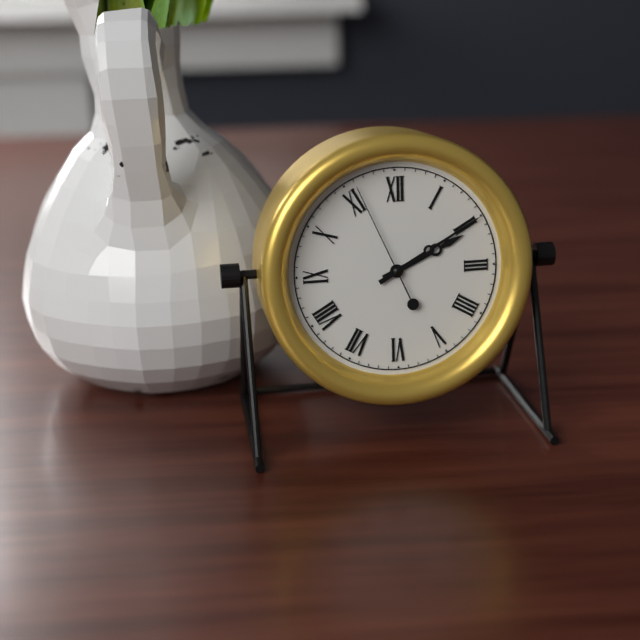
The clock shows h=2 m=10 s=56
